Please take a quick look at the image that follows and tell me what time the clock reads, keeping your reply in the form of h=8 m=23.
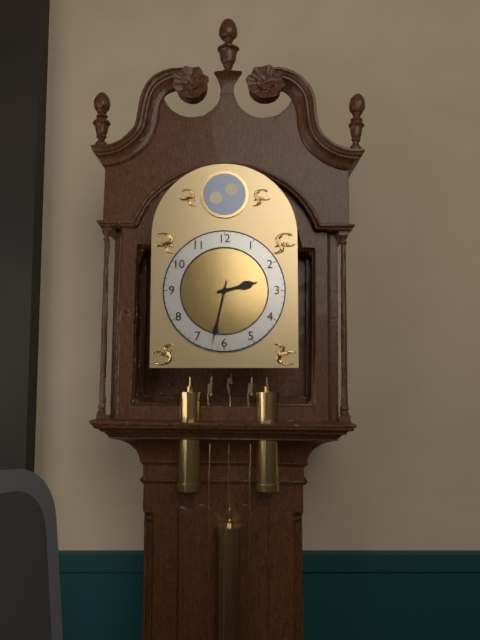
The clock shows h=2 m=32
